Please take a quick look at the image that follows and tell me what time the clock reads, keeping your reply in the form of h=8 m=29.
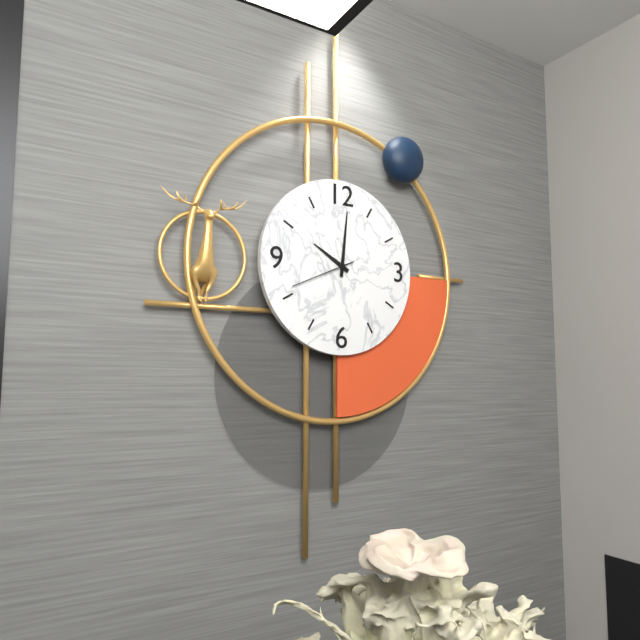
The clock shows h=10 m=1
